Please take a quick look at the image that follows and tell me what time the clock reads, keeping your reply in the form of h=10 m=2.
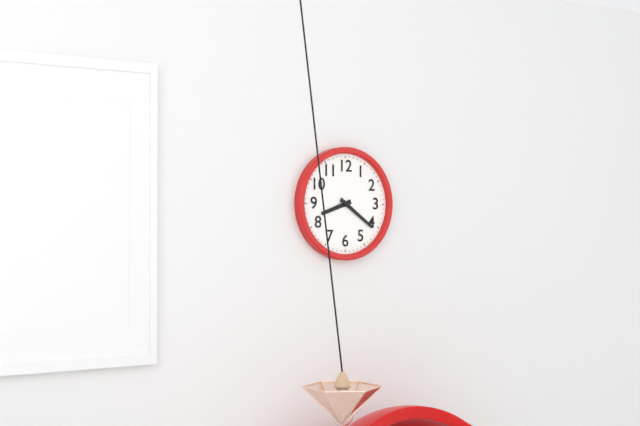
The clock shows h=8 m=21
